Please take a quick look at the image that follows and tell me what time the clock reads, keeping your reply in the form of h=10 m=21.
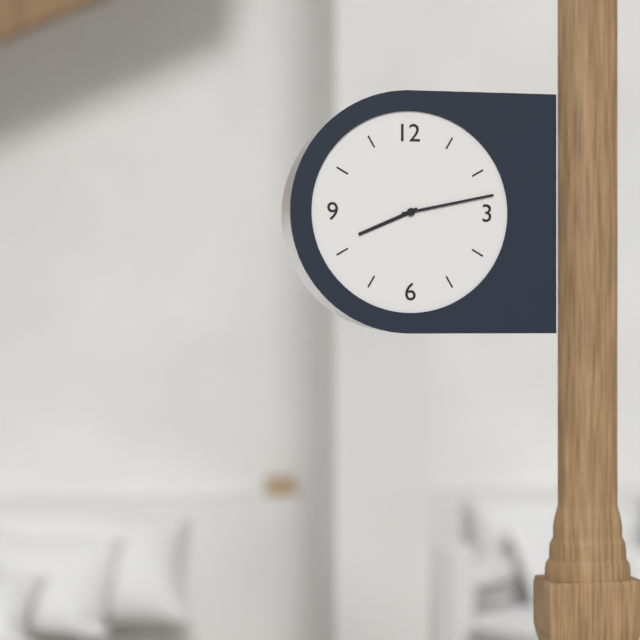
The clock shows h=8 m=13
